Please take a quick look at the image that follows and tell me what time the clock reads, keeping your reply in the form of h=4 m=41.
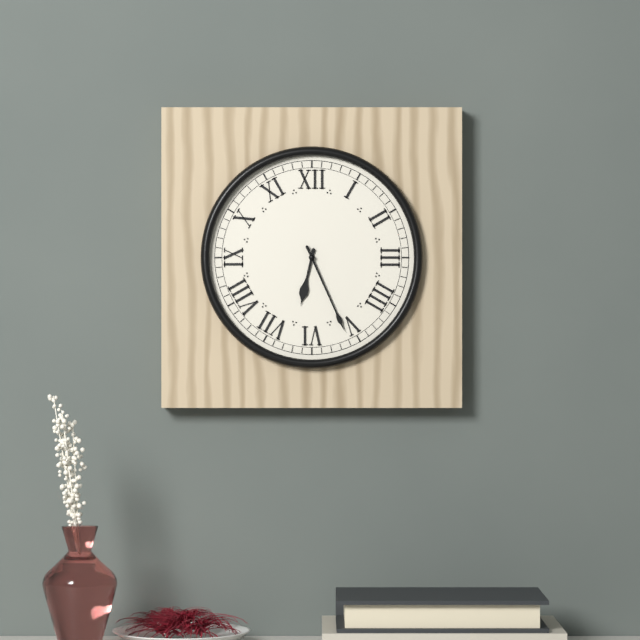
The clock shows h=6 m=26
